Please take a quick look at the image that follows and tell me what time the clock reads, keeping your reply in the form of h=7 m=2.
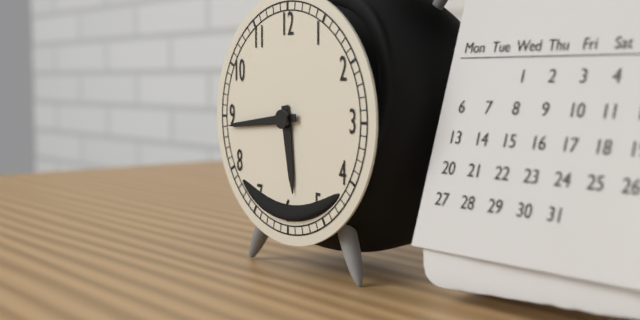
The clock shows h=5 m=44
